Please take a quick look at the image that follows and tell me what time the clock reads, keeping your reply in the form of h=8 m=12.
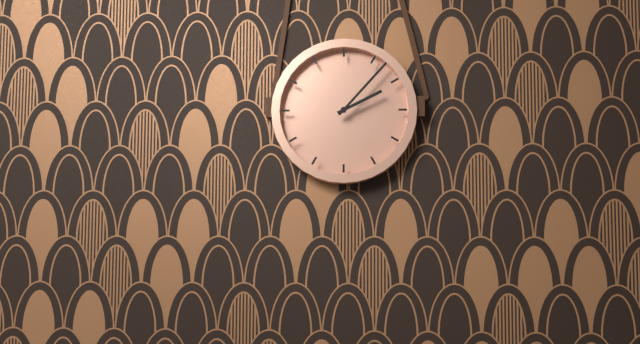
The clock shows h=2 m=7
